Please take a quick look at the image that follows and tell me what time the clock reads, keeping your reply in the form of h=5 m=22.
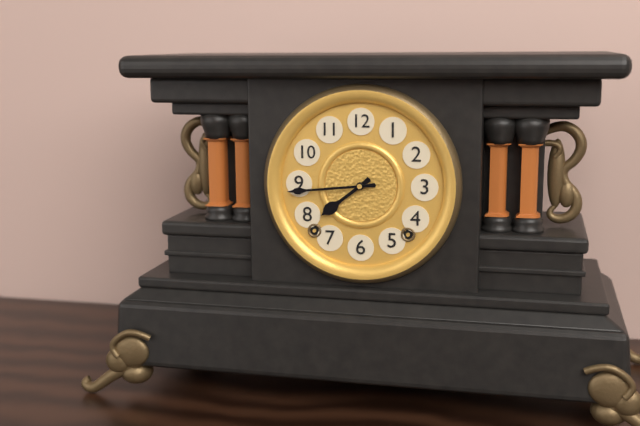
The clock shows h=7 m=44
